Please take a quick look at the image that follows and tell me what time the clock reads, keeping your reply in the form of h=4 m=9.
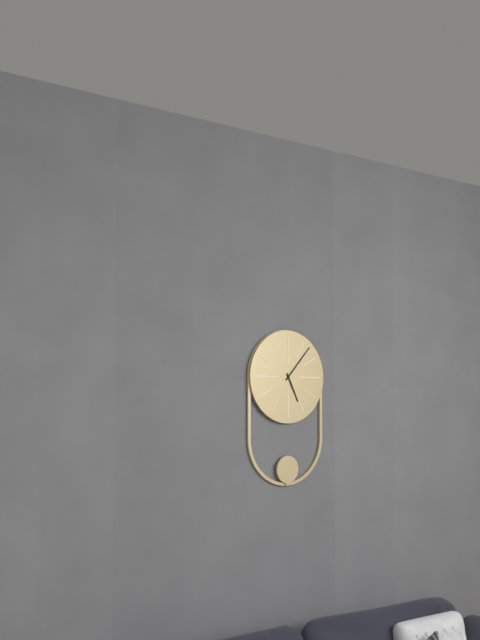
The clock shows h=5 m=7
